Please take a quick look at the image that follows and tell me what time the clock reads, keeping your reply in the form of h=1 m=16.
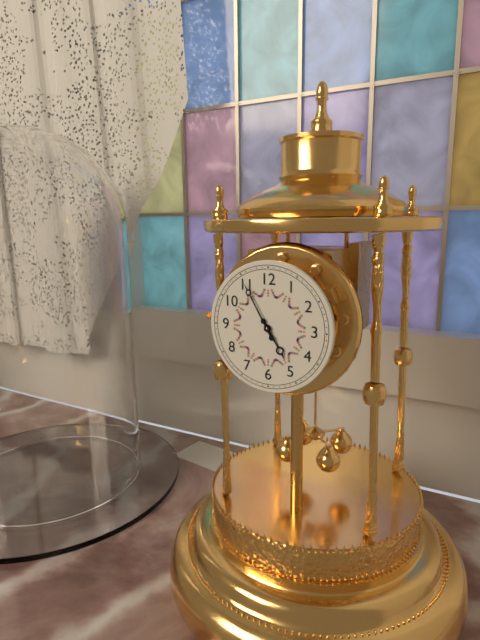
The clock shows h=4 m=55
